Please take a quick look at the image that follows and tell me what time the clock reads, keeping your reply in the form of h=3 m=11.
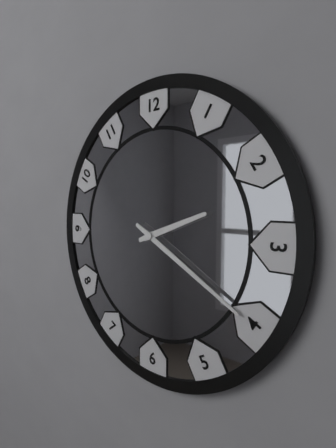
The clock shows h=2 m=20
